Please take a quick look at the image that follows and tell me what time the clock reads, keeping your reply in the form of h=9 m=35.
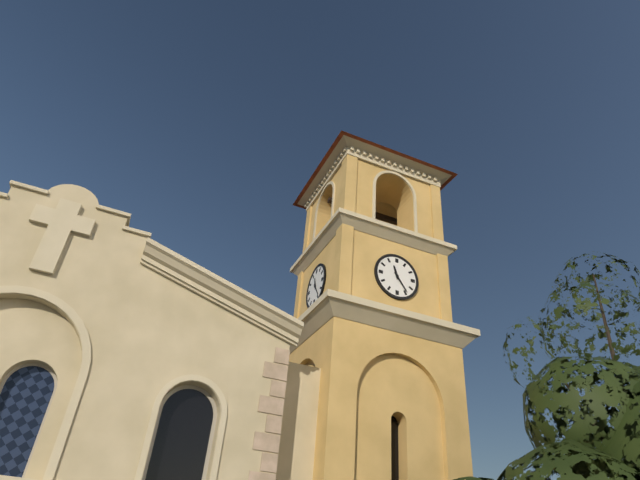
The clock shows h=11 m=24
